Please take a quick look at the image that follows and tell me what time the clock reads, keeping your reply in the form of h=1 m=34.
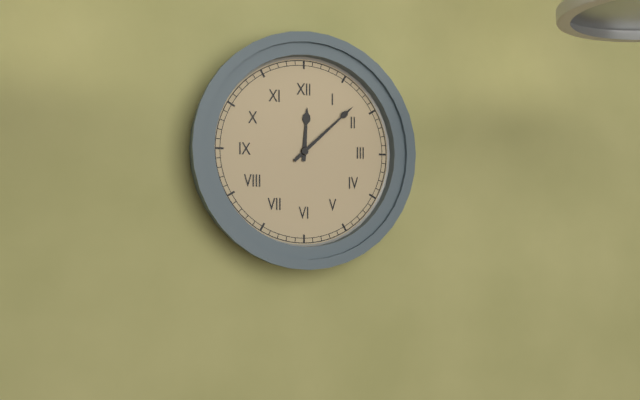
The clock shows h=12 m=8
